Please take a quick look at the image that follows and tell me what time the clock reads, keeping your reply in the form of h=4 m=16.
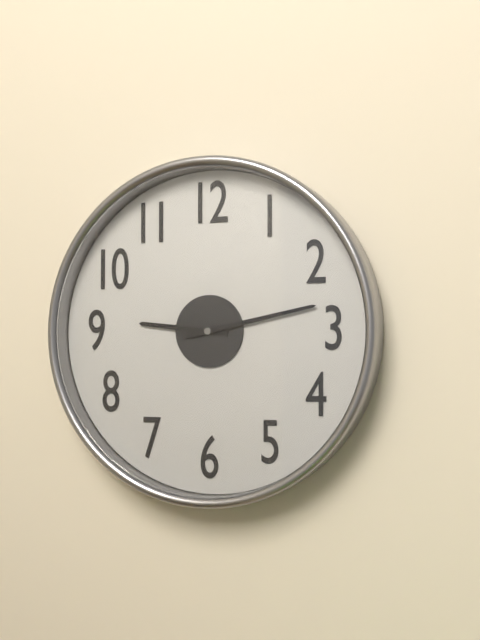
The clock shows h=9 m=13
